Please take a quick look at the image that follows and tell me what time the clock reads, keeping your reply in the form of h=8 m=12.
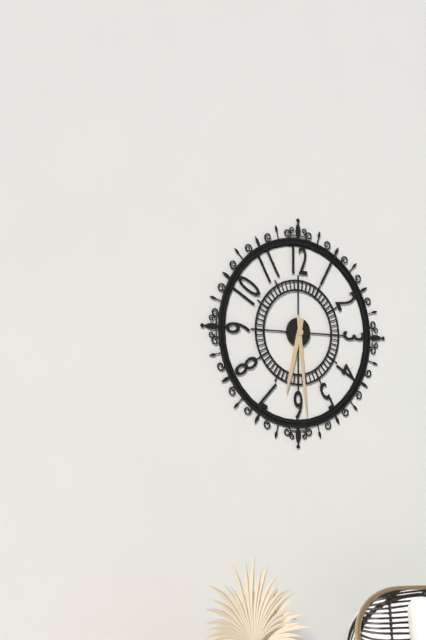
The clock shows h=6 m=29
